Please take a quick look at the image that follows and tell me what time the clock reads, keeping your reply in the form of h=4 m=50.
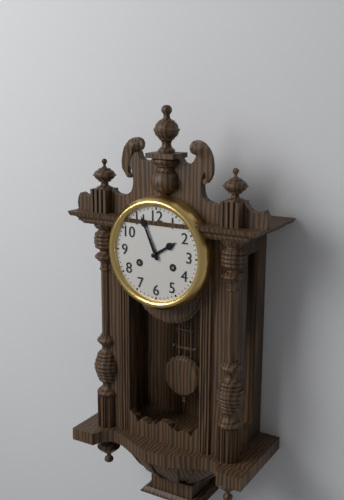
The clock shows h=1 m=56
